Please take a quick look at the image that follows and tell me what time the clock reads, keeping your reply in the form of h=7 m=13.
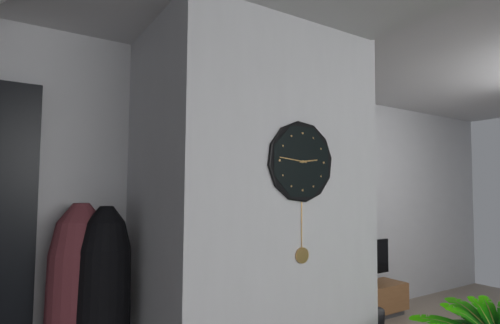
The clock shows h=2 m=46
